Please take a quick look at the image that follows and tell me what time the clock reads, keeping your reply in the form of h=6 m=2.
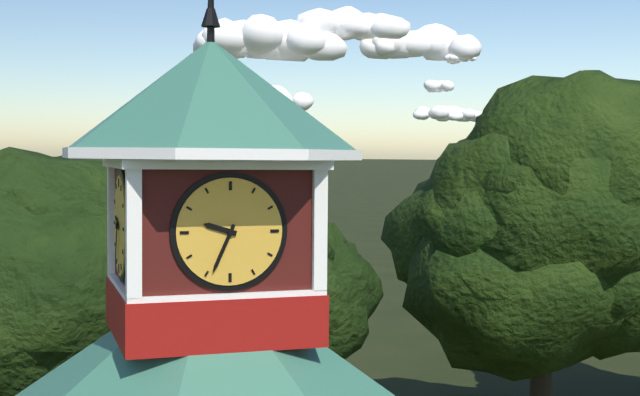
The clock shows h=9 m=34
